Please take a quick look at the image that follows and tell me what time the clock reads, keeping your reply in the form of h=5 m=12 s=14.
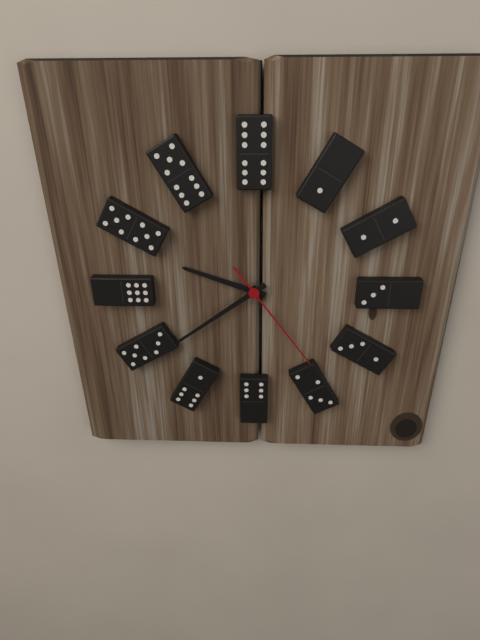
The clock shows h=9 m=39 s=24
